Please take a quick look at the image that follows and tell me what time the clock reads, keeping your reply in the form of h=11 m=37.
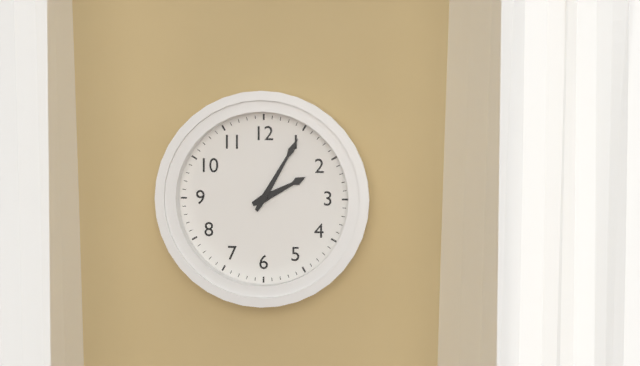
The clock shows h=2 m=5
